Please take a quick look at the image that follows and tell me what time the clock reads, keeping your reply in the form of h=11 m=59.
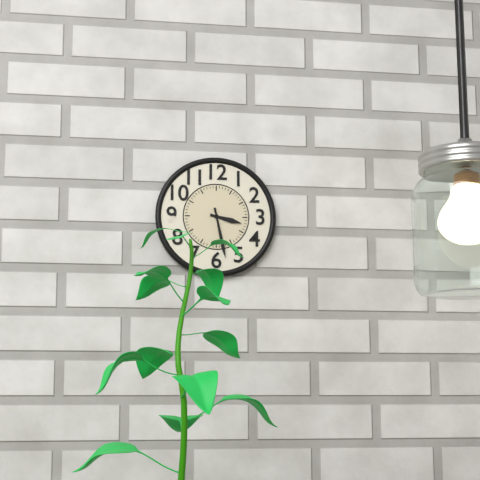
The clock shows h=3 m=28
